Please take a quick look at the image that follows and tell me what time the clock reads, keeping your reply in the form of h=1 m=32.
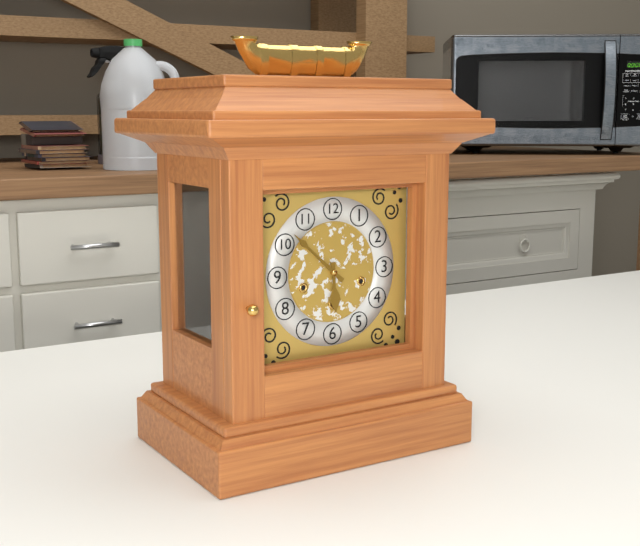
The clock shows h=5 m=52
